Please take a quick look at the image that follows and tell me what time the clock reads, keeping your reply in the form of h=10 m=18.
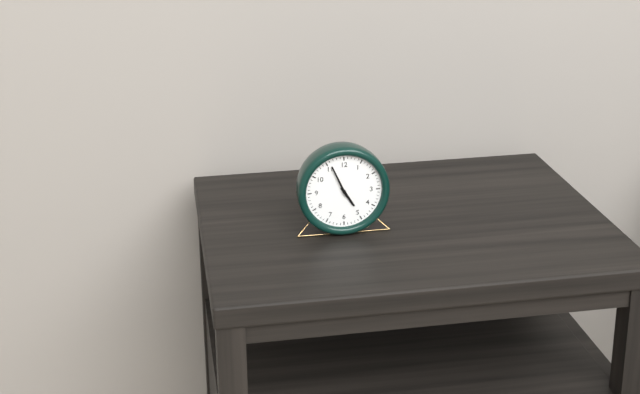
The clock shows h=4 m=56
